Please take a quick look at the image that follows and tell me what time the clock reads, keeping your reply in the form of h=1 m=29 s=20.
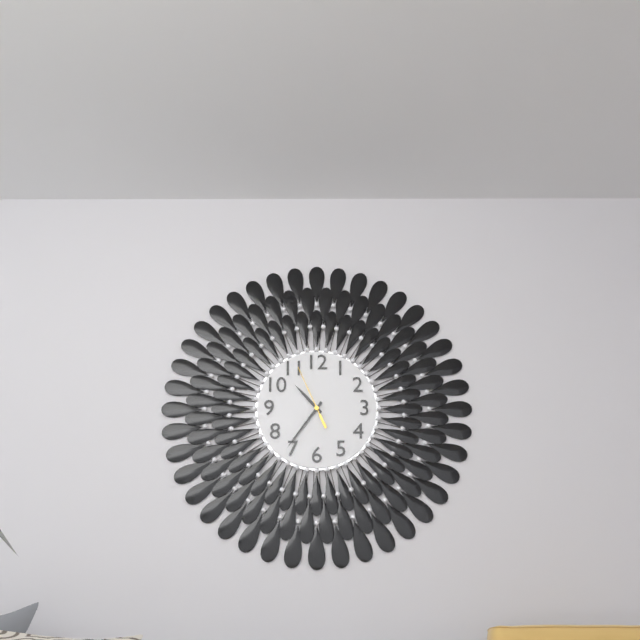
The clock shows h=10 m=36 s=56
